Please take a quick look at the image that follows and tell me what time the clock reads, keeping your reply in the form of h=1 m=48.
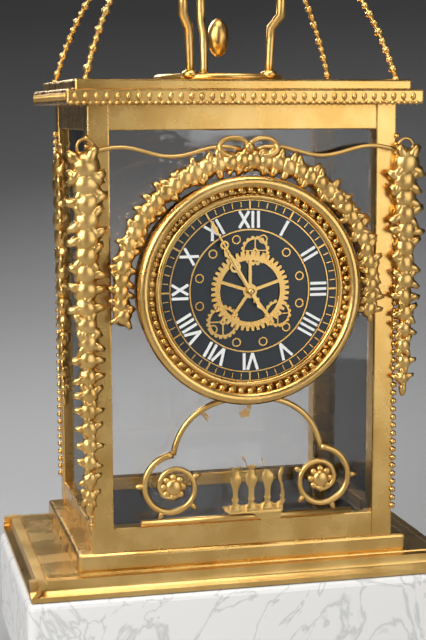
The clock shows h=10 m=55
